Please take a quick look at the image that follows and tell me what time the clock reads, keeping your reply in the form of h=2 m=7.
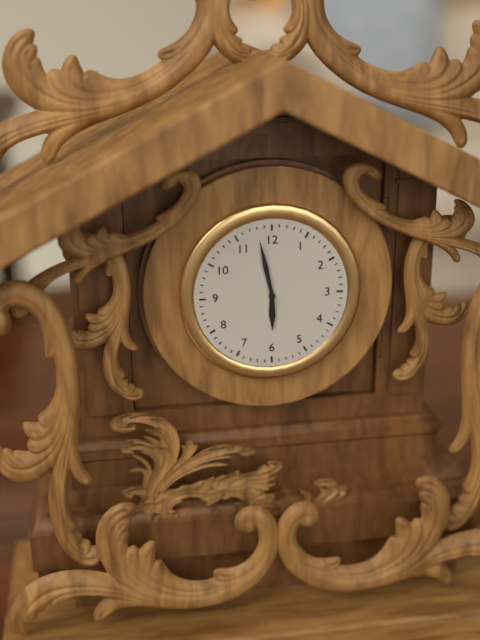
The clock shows h=5 m=58
